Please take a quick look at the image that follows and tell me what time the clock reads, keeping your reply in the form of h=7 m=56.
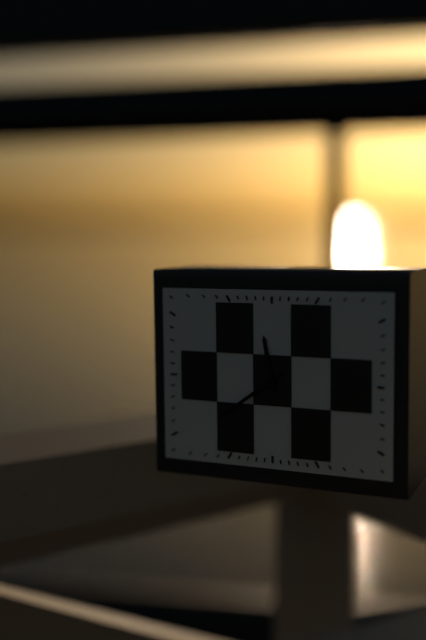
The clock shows h=11 m=39
